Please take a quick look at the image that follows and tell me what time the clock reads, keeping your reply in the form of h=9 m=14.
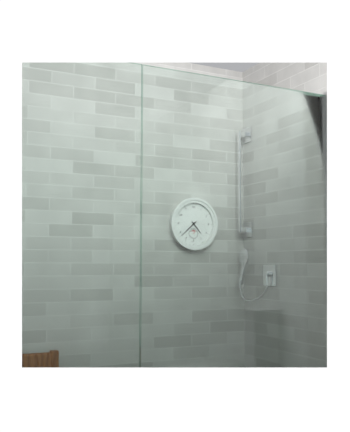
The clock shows h=4 m=38
